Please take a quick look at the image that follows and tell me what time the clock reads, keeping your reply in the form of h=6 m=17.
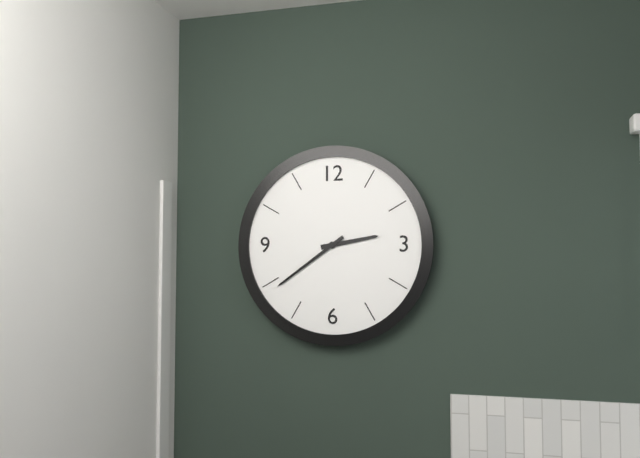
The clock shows h=2 m=39
